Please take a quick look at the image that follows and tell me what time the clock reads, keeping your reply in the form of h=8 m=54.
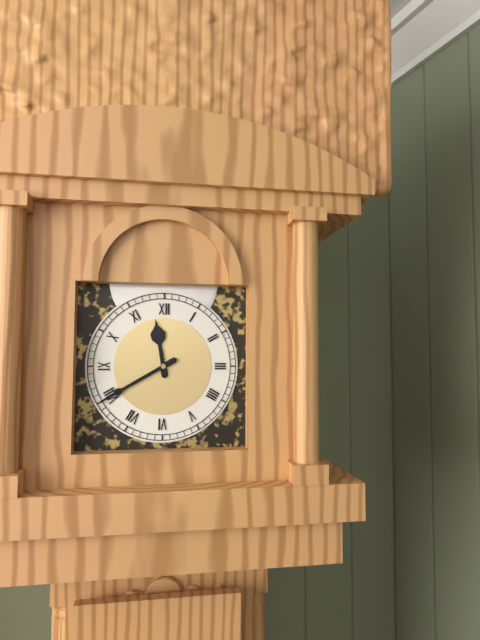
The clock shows h=11 m=40
